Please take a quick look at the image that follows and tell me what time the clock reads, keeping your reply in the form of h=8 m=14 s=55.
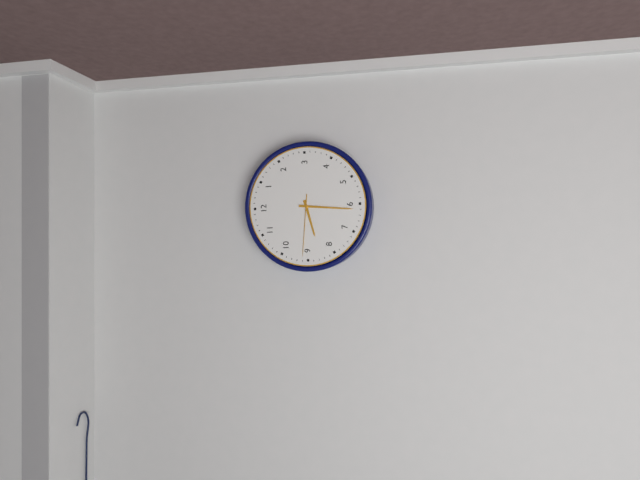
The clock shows h=8 m=31 s=46
